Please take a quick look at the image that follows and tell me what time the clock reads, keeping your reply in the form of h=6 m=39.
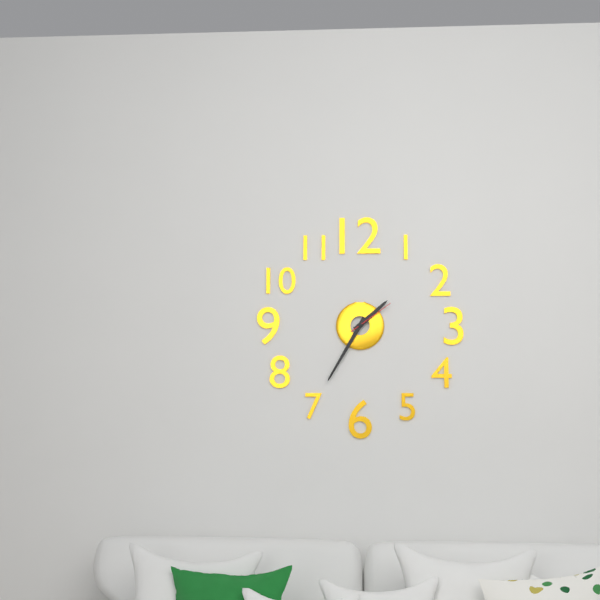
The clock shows h=1 m=35
